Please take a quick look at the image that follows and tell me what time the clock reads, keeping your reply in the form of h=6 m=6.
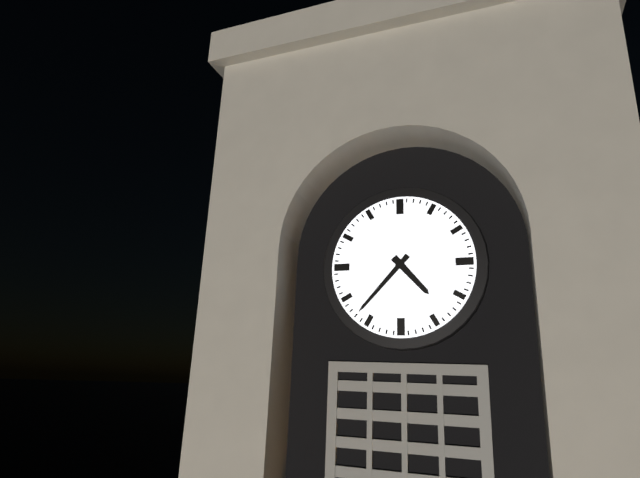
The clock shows h=4 m=37
